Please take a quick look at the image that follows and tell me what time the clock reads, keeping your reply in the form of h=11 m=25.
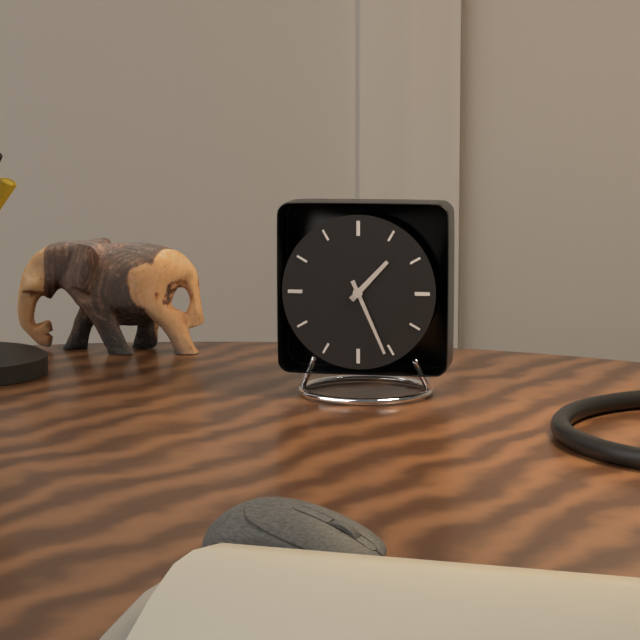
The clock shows h=1 m=26
